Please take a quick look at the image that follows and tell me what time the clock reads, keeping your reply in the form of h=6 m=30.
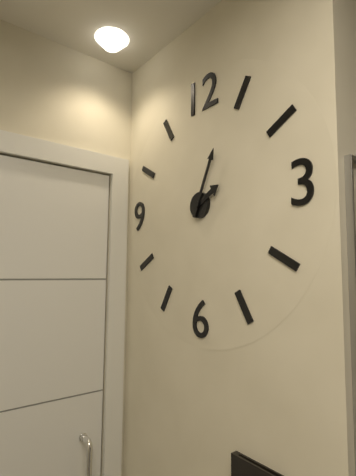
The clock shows h=2 m=4
